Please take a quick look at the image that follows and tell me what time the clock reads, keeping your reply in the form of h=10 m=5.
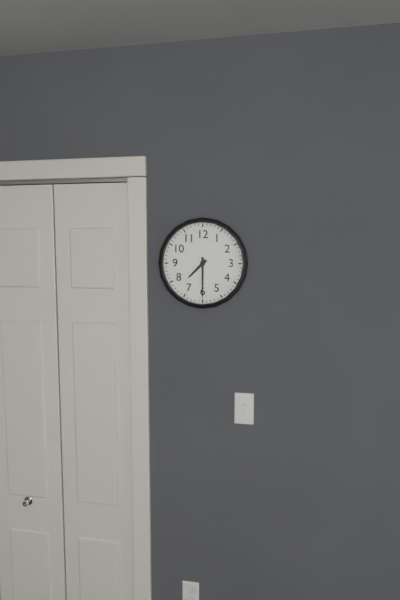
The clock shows h=7 m=30
